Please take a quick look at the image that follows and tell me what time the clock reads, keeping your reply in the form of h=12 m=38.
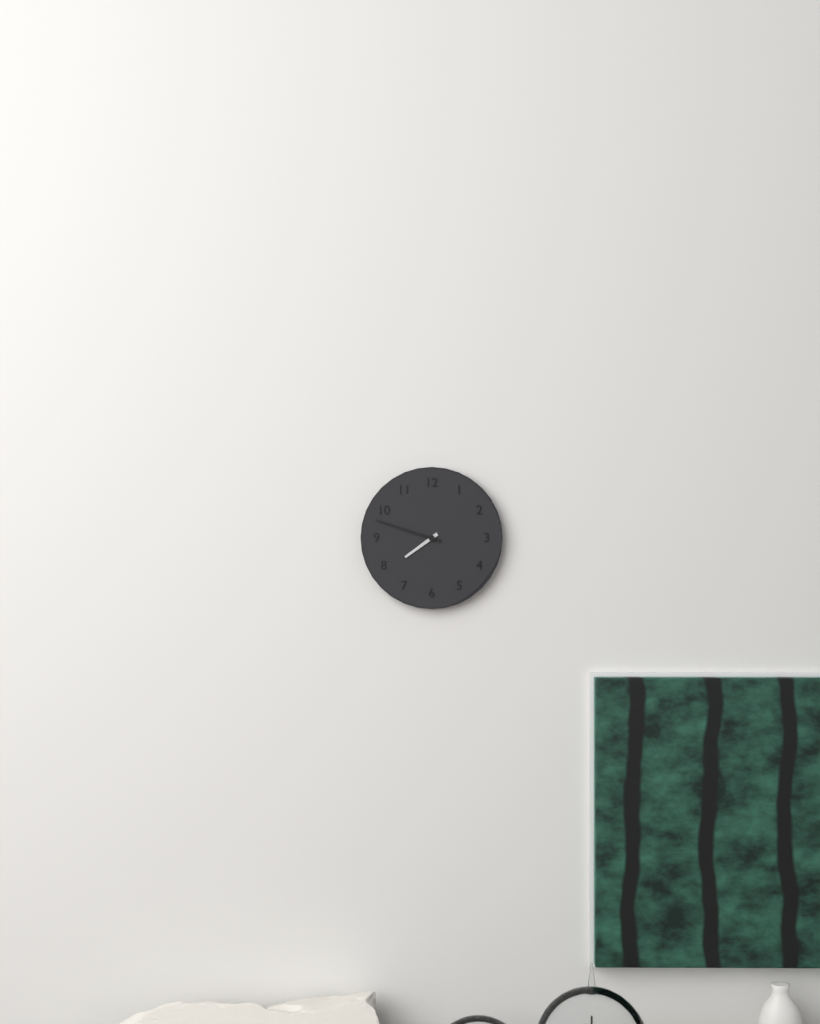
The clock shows h=7 m=48
